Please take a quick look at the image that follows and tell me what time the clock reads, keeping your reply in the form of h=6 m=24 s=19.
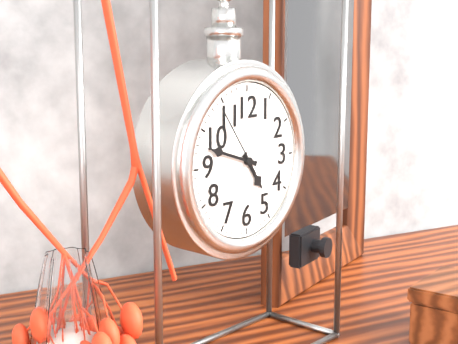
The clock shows h=4 m=48 s=54
